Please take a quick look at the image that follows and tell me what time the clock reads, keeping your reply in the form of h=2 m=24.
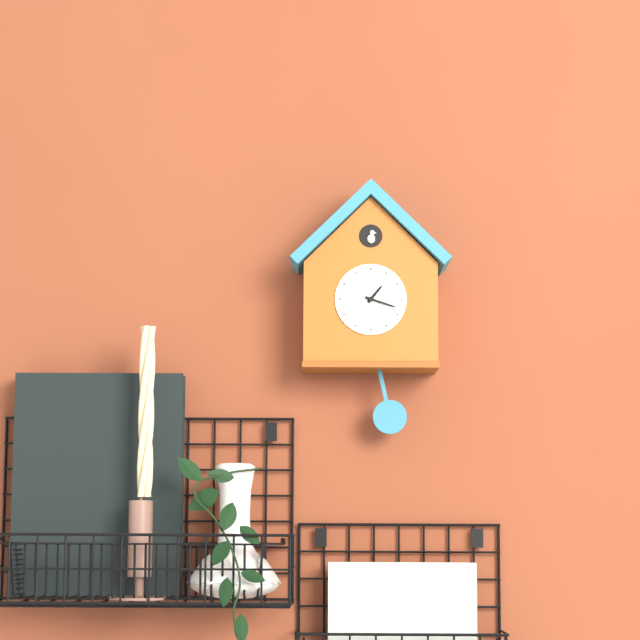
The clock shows h=1 m=18
